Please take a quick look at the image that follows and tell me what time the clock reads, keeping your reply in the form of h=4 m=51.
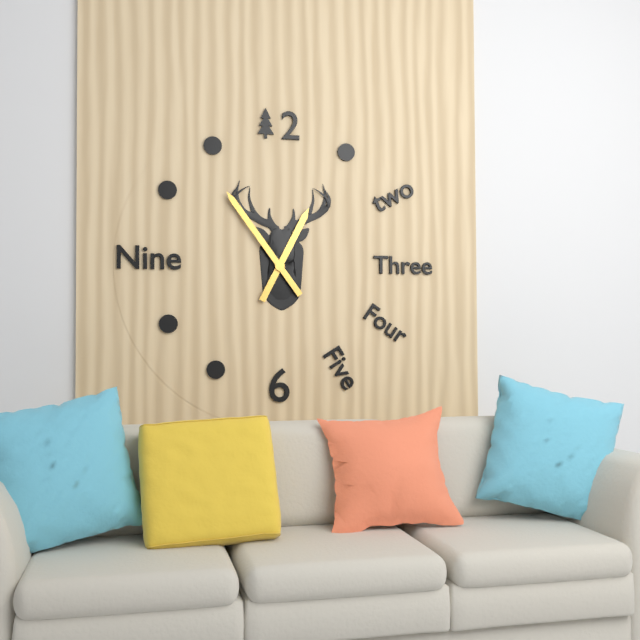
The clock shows h=12 m=54
